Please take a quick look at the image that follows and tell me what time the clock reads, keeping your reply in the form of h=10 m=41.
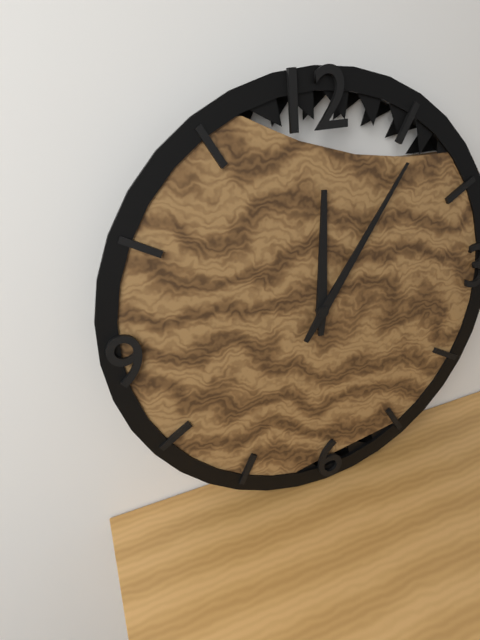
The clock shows h=12 m=6
